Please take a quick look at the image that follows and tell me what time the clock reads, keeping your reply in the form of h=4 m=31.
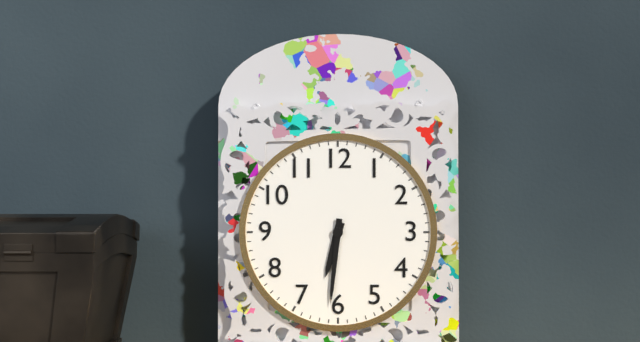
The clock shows h=6 m=31
